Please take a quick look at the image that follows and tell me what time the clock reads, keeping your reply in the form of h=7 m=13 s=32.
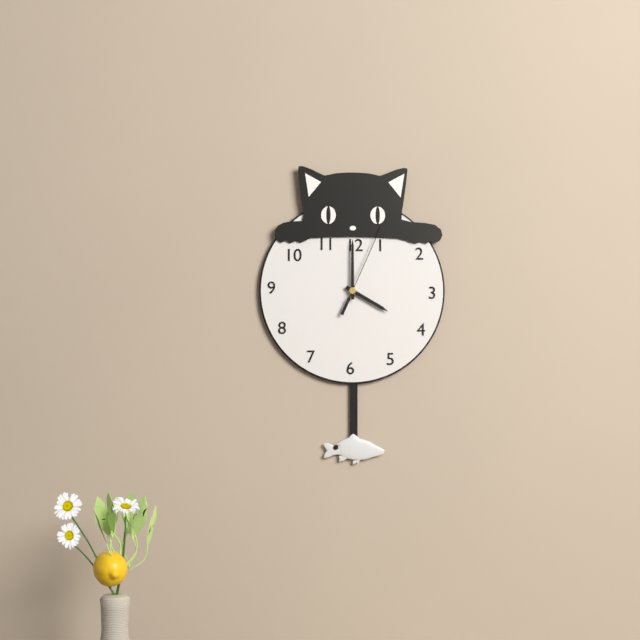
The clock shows h=4 m=0 s=4
